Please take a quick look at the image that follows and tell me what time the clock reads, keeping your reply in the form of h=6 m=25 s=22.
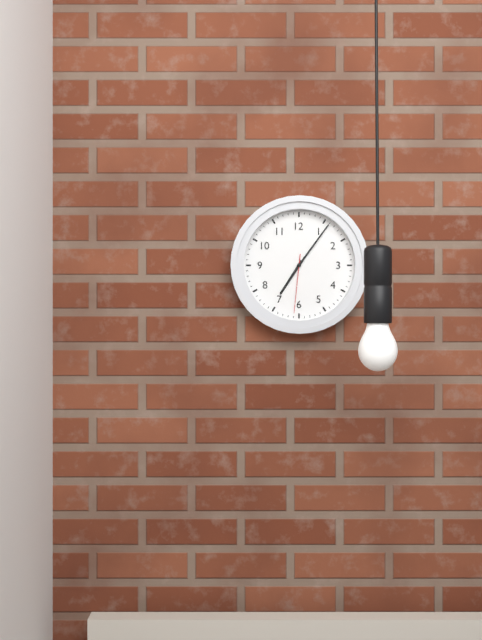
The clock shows h=7 m=6 s=31
